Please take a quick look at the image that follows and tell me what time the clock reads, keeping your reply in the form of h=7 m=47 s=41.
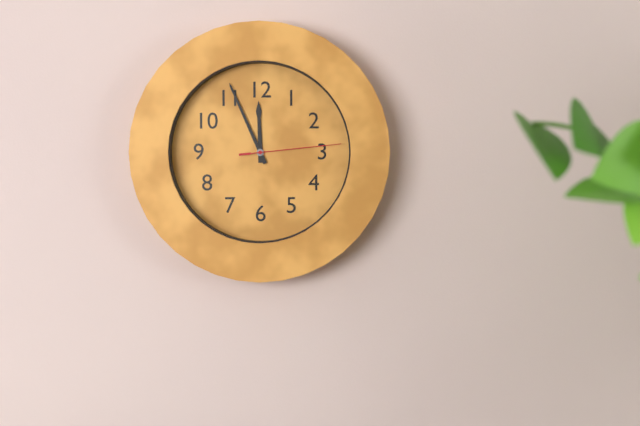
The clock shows h=11 m=56 s=14
